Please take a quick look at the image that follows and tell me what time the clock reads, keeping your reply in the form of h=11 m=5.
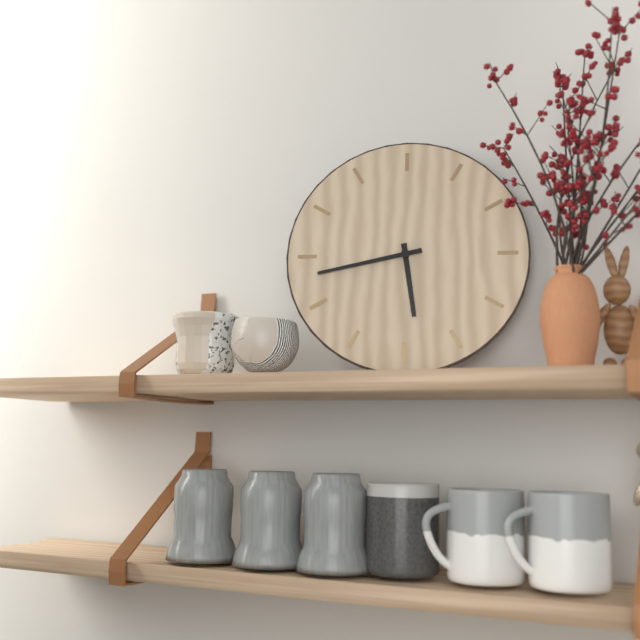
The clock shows h=5 m=43
